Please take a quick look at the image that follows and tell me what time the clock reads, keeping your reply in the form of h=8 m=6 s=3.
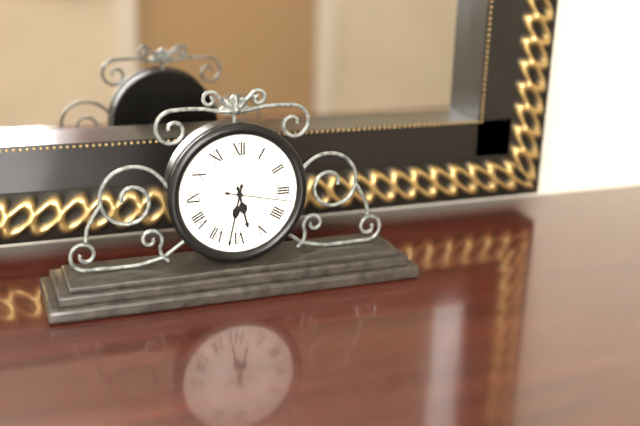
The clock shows h=5 m=32 s=17
